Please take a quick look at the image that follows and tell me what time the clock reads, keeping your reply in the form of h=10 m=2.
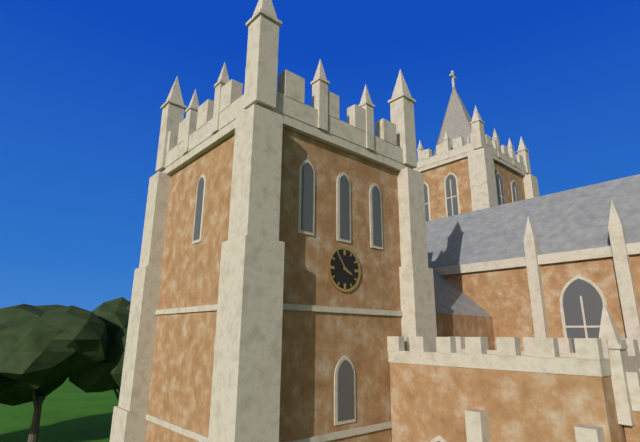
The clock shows h=3 m=54
